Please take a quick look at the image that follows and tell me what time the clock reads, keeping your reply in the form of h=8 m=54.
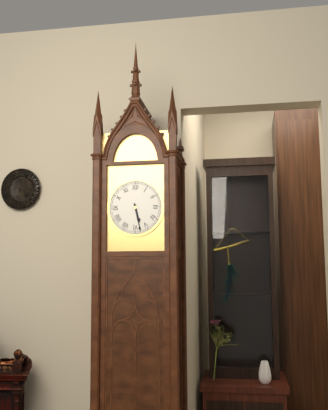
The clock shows h=5 m=28
